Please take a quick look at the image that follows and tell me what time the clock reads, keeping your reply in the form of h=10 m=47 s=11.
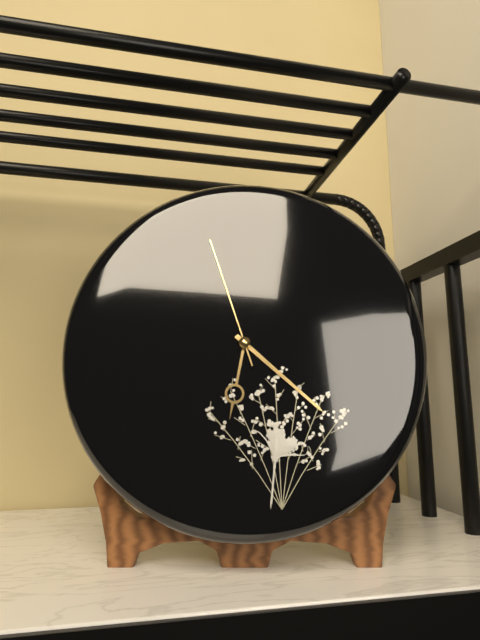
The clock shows h=6 m=22 s=57
